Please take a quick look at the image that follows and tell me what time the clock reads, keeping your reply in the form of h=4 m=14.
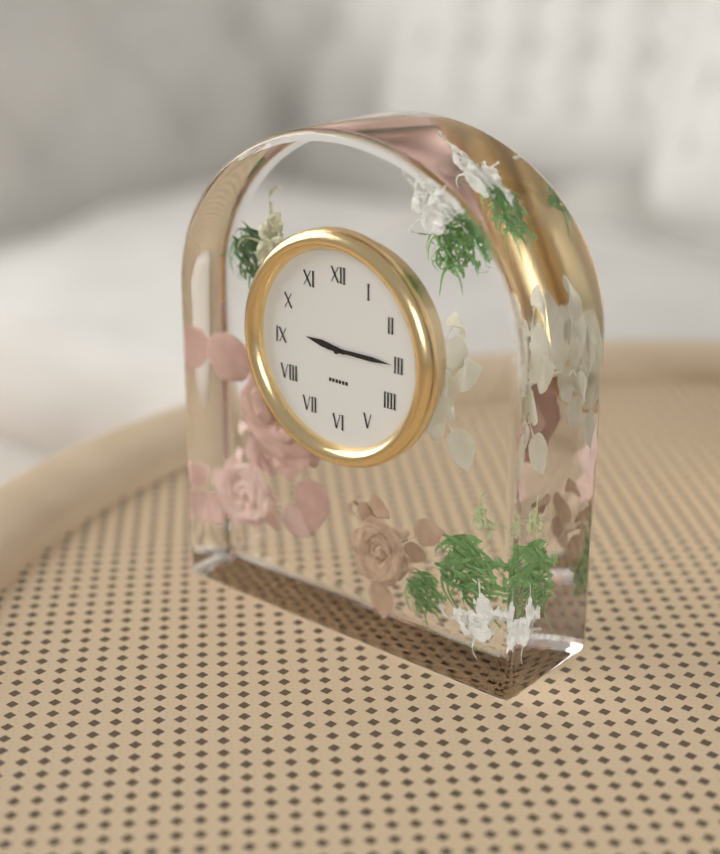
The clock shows h=9 m=15
